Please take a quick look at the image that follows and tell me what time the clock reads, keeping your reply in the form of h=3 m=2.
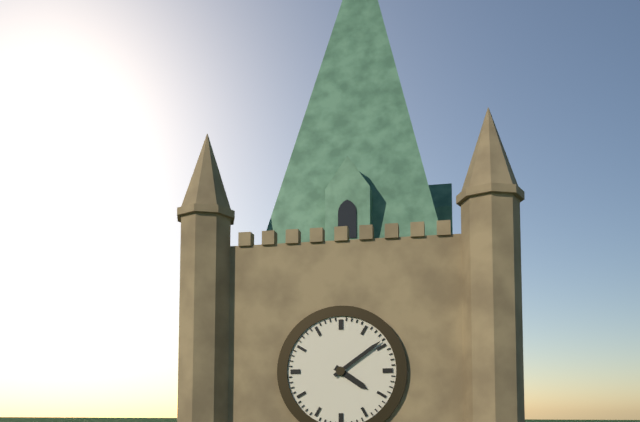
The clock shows h=4 m=9
